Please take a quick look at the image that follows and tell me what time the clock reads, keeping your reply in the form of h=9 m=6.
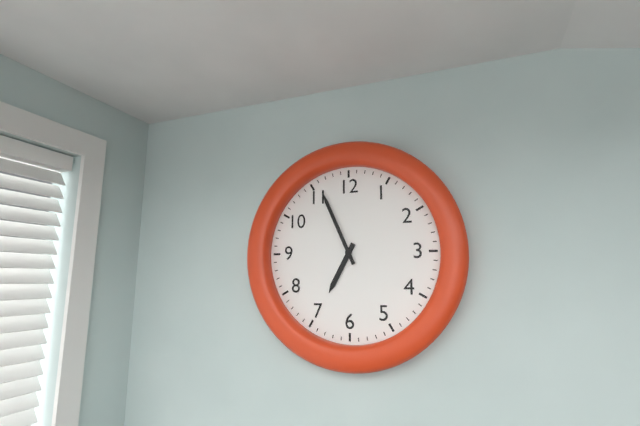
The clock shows h=6 m=56
